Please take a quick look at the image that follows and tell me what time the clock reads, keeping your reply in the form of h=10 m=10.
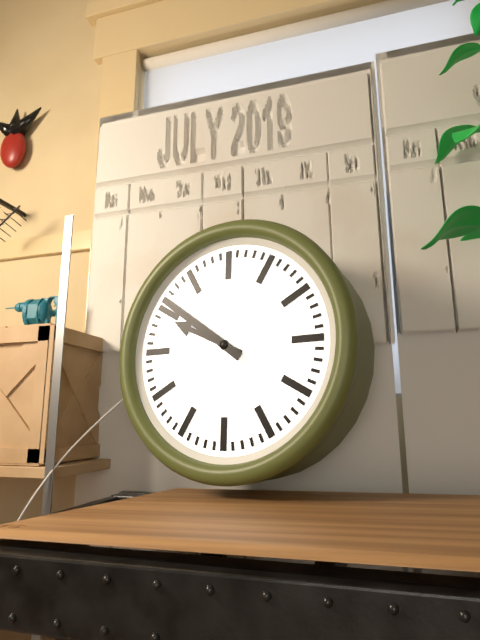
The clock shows h=9 m=51
